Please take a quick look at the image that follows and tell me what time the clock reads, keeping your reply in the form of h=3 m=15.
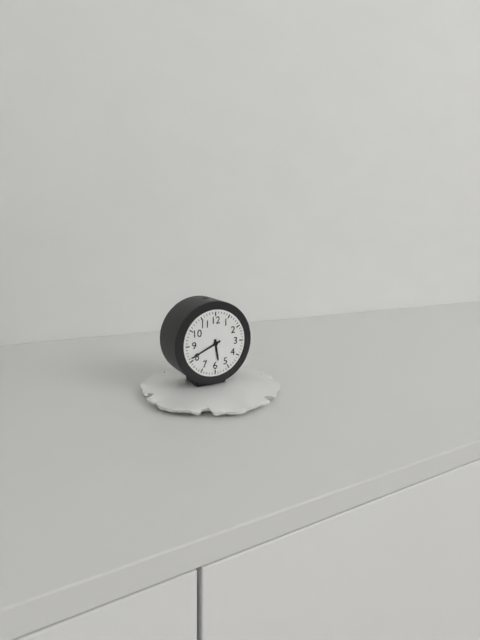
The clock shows h=5 m=41
